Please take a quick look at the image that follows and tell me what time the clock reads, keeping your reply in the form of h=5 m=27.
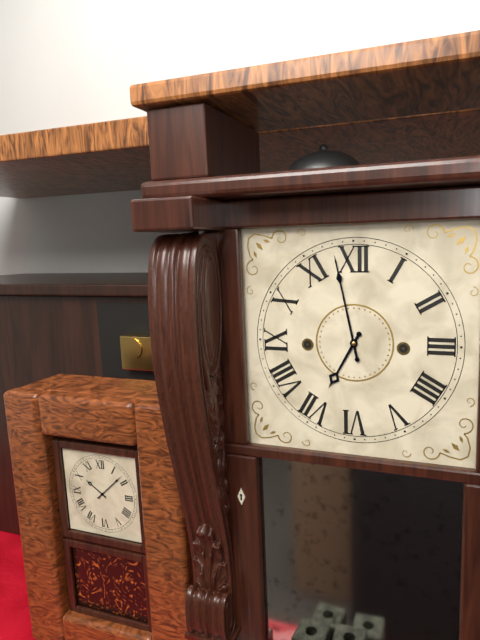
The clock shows h=6 m=58
